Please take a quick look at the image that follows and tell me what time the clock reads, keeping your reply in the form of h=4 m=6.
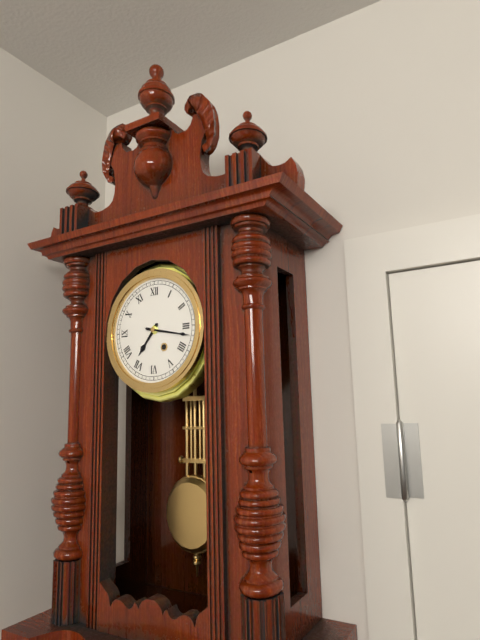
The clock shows h=7 m=17
